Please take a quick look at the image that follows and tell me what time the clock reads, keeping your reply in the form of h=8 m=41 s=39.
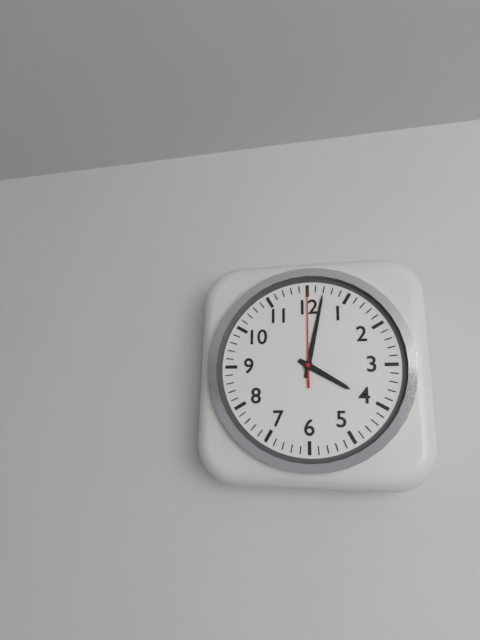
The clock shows h=4 m=2 s=0
